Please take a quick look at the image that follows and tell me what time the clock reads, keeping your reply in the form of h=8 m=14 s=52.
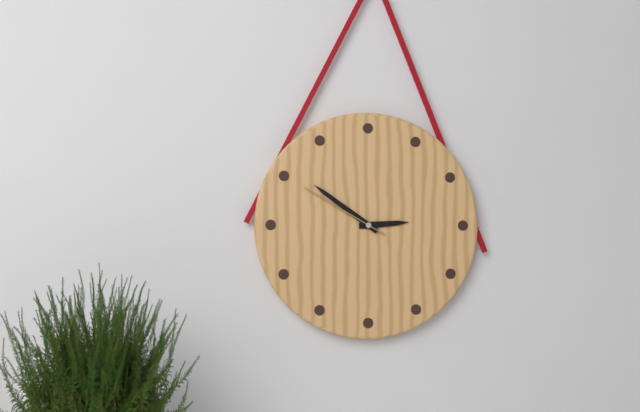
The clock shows h=2 m=51 s=50
